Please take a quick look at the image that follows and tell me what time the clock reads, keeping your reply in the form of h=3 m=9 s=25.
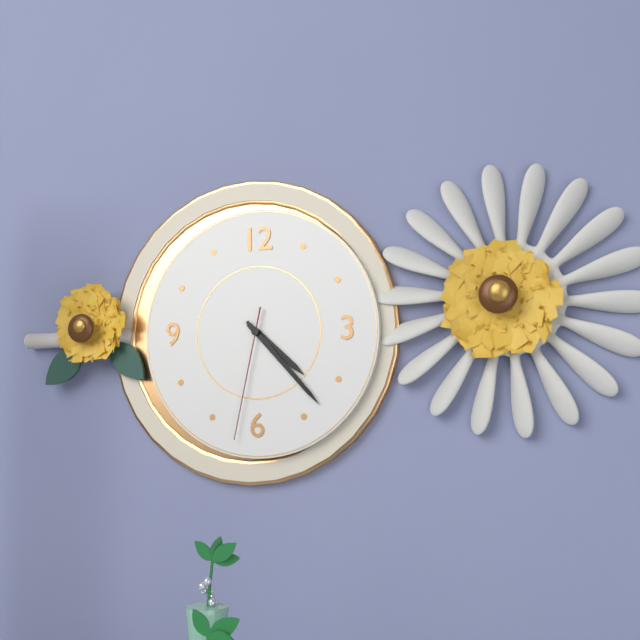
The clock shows h=4 m=23 s=32
